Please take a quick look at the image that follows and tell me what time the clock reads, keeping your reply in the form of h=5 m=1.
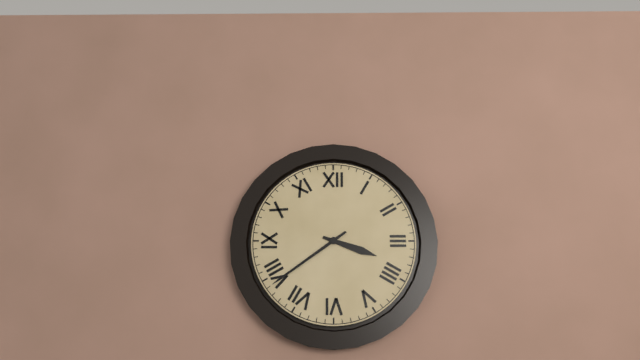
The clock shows h=3 m=39
